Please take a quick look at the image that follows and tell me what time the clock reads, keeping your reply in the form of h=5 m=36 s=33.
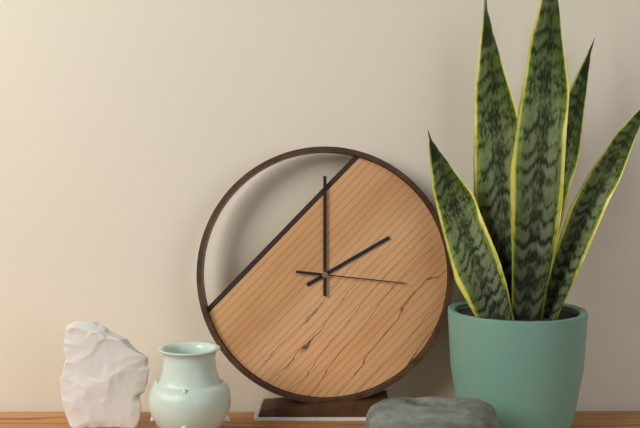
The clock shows h=2 m=0 s=16
